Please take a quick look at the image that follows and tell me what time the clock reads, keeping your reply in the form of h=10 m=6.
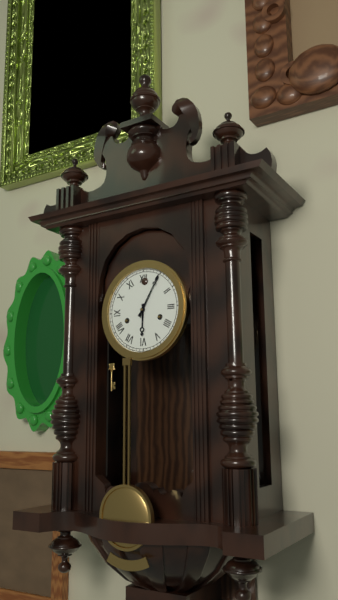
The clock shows h=6 m=5
